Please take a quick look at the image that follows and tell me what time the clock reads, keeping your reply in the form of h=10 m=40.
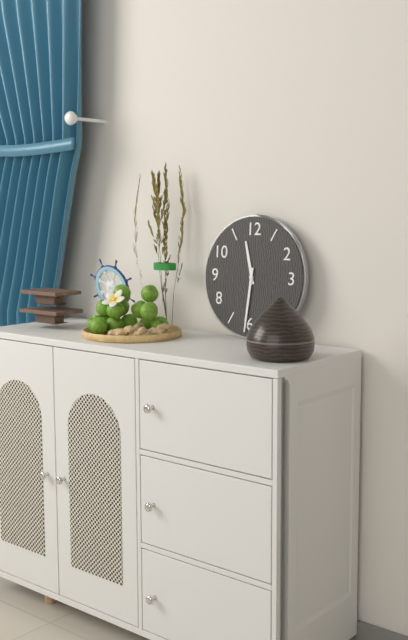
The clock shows h=11 m=31
